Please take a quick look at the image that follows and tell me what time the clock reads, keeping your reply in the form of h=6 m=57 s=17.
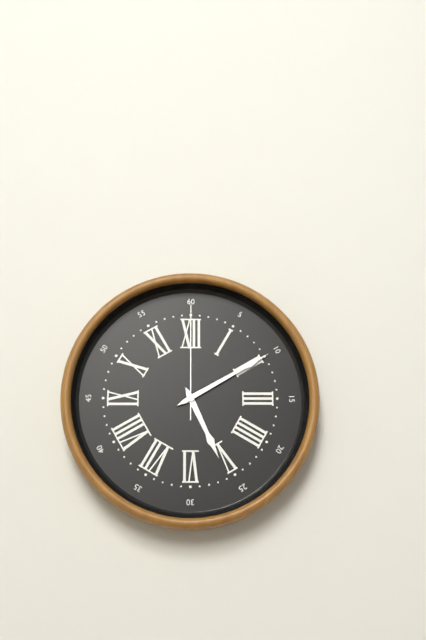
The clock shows h=5 m=10 s=0
